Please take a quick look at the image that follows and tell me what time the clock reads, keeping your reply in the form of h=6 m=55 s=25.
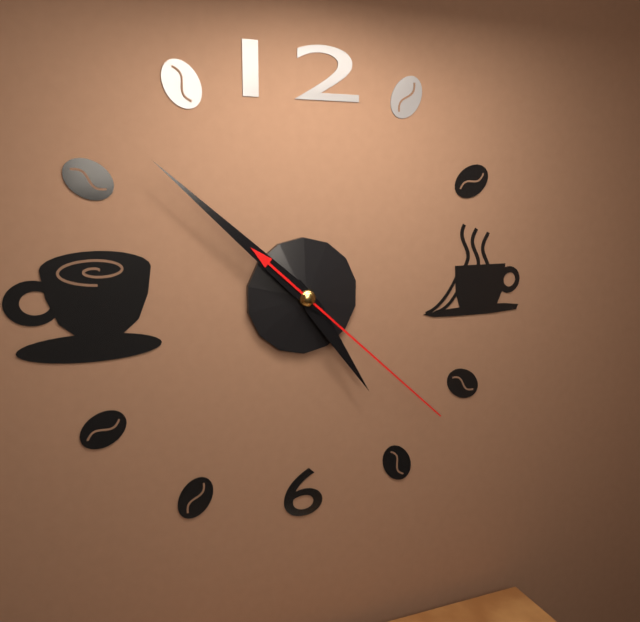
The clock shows h=4 m=52 s=22
